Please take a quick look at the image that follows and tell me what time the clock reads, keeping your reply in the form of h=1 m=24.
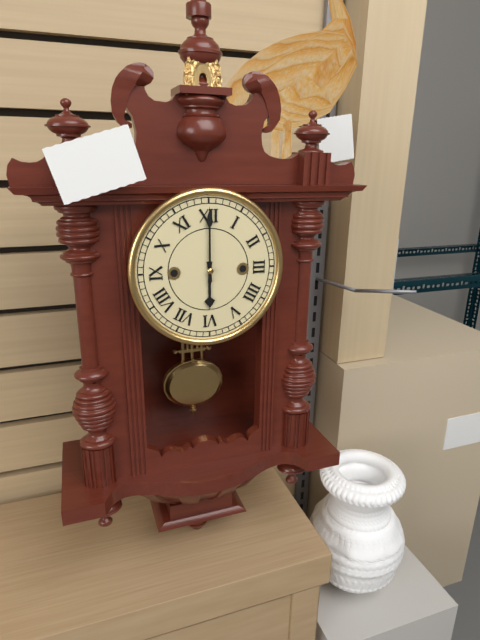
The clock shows h=6 m=0
